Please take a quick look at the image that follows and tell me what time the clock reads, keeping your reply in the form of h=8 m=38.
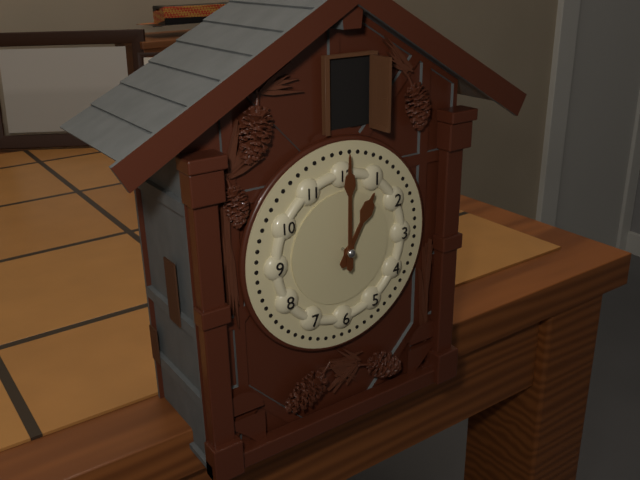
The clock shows h=1 m=0
